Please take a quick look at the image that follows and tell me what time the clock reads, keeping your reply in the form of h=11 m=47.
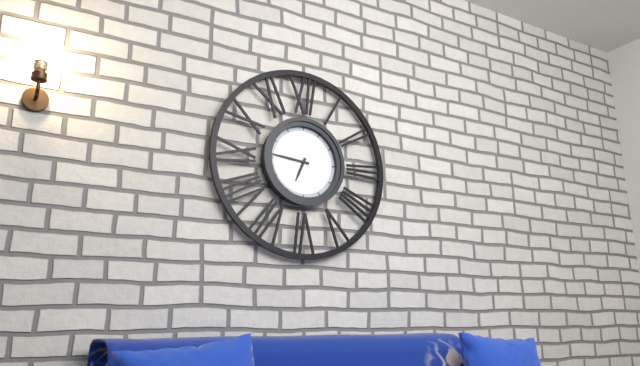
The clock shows h=6 m=46
